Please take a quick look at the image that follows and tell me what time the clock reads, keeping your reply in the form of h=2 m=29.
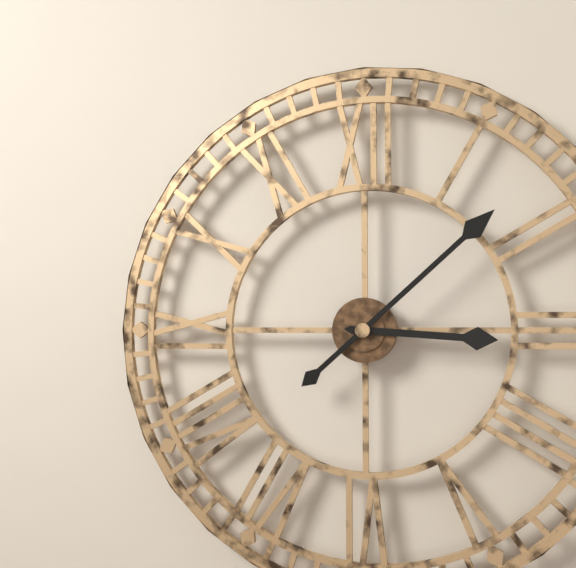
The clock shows h=3 m=8
